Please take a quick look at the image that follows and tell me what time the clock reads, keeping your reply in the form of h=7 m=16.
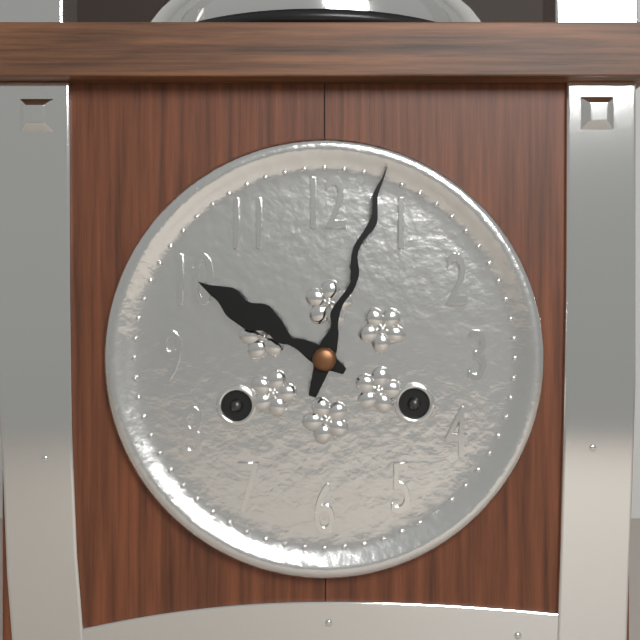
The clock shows h=10 m=3
